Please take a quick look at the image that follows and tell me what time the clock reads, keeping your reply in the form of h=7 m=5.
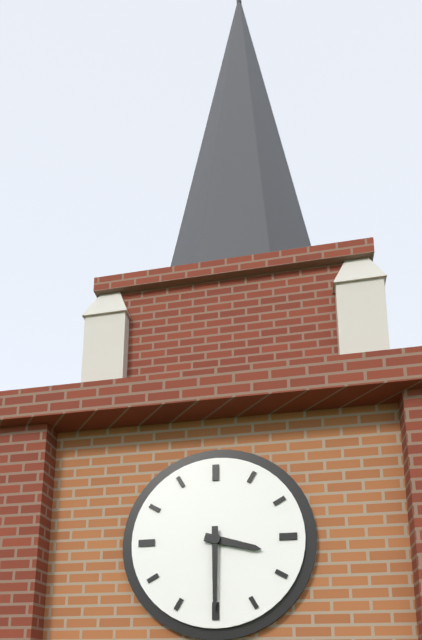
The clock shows h=3 m=30
